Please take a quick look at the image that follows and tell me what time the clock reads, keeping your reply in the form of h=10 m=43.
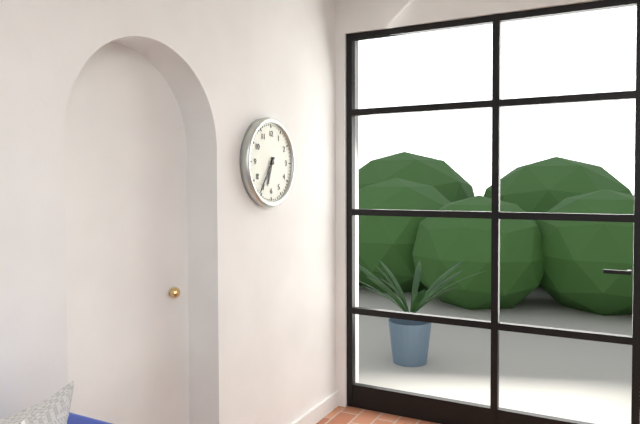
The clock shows h=6 m=36
